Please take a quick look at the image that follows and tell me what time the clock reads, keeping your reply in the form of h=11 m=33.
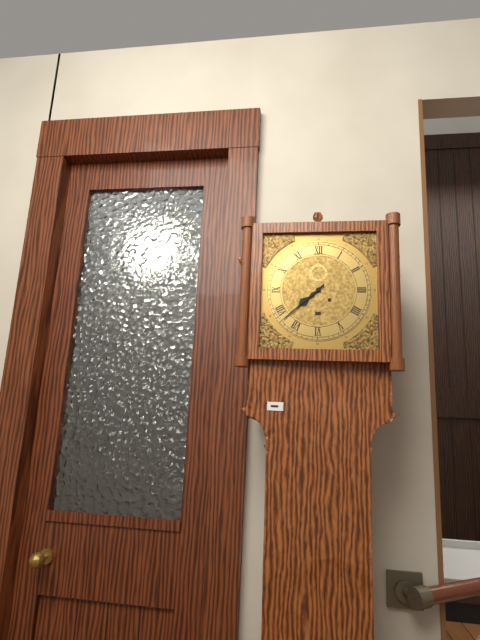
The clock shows h=7 m=38
